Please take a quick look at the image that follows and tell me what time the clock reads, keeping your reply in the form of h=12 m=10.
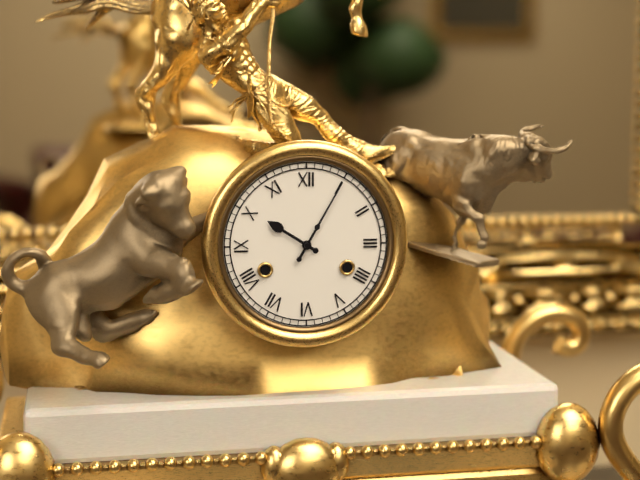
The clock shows h=10 m=5
